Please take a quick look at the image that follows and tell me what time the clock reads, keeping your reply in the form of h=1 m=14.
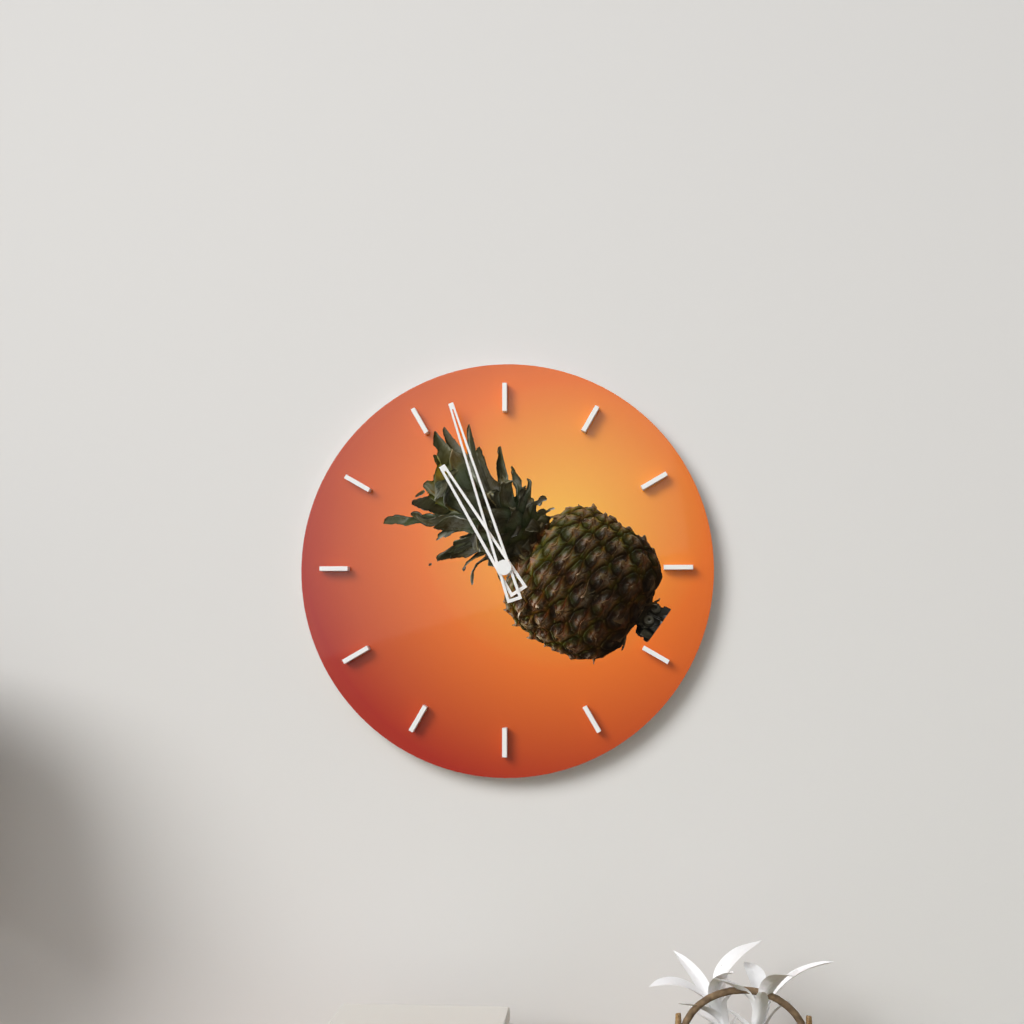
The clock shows h=10 m=57
